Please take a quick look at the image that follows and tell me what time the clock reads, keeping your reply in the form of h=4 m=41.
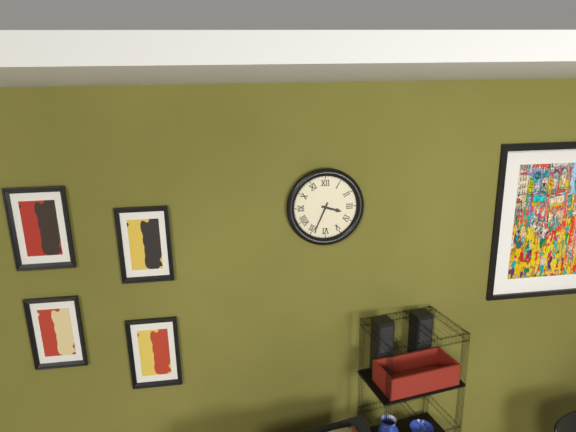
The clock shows h=3 m=34
